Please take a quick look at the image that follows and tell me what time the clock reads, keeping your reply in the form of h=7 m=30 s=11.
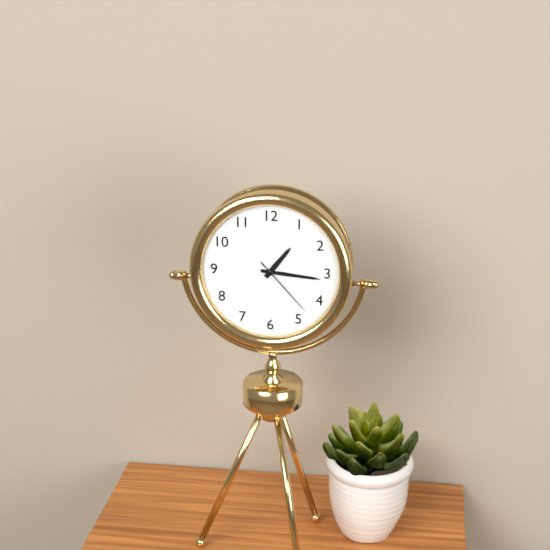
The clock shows h=1 m=16 s=23
